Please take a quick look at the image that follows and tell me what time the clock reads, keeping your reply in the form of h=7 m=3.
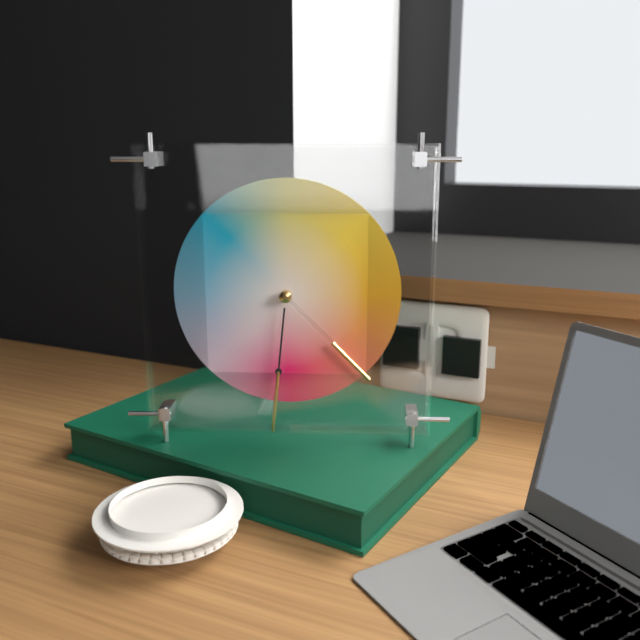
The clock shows h=4 m=31
